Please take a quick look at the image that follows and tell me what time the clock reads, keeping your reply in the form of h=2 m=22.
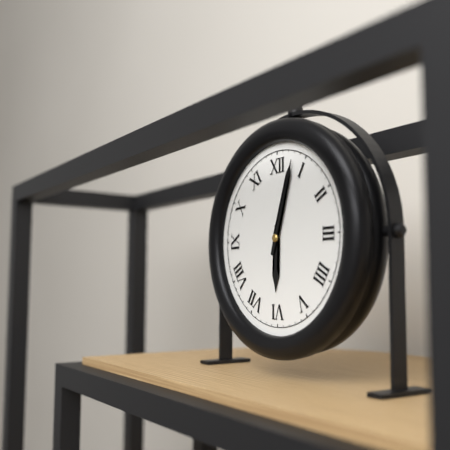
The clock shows h=6 m=3
